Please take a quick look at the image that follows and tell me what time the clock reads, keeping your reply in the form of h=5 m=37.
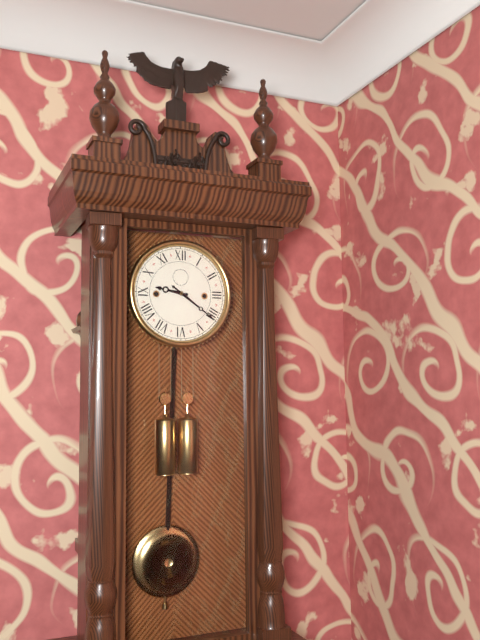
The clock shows h=9 m=21
